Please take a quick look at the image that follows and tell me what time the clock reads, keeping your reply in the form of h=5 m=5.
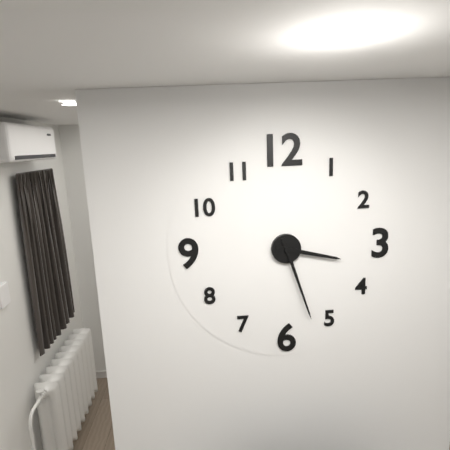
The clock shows h=3 m=27
